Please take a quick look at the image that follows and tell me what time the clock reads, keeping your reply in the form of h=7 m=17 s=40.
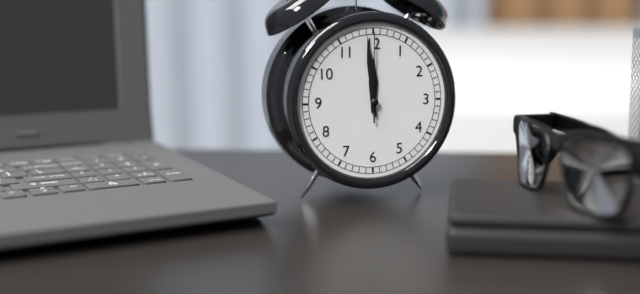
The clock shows h=11 m=59 s=0
